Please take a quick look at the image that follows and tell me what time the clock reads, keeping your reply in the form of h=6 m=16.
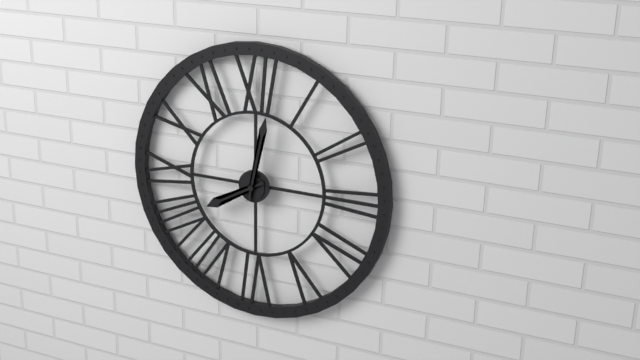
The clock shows h=8 m=2
